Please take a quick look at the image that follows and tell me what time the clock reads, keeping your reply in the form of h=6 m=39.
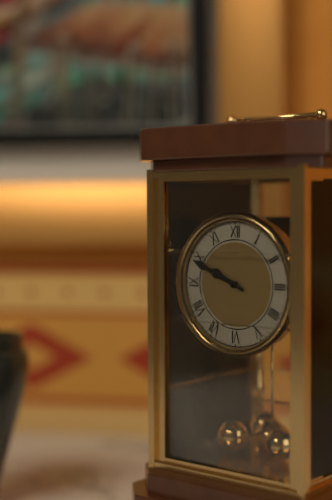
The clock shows h=9 m=49
